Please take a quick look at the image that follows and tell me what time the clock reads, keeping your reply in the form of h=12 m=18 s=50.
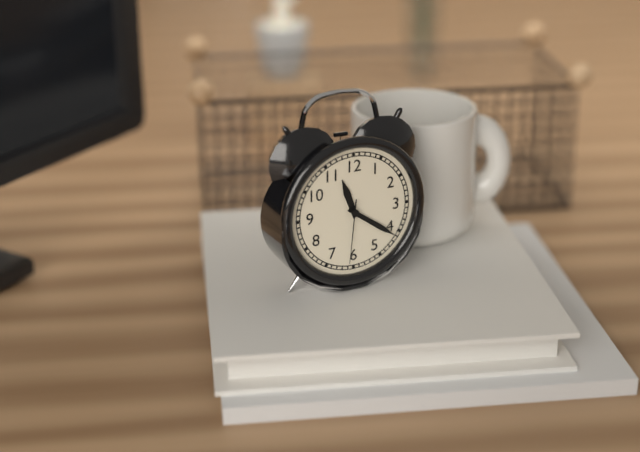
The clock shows h=11 m=21 s=31
